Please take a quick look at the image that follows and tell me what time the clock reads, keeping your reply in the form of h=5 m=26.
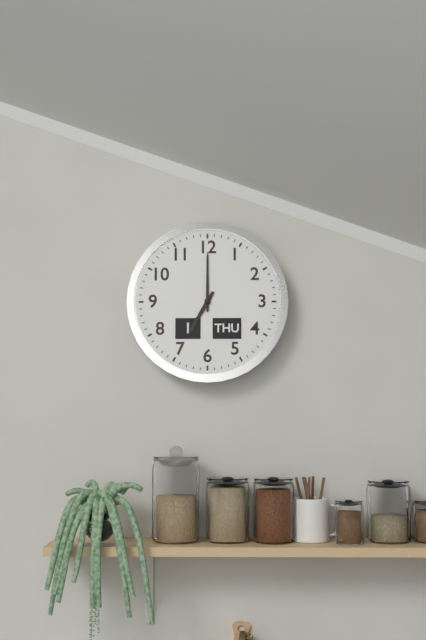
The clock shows h=7 m=0
